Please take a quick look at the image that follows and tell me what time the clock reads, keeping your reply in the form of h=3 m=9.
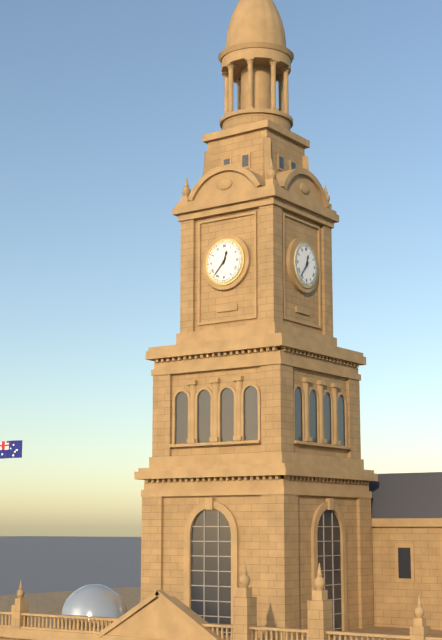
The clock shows h=12 m=37
